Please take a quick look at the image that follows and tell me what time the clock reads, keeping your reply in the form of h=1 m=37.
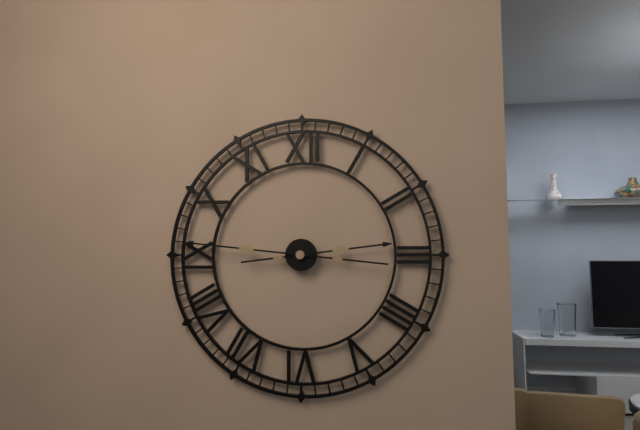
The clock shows h=2 m=46
